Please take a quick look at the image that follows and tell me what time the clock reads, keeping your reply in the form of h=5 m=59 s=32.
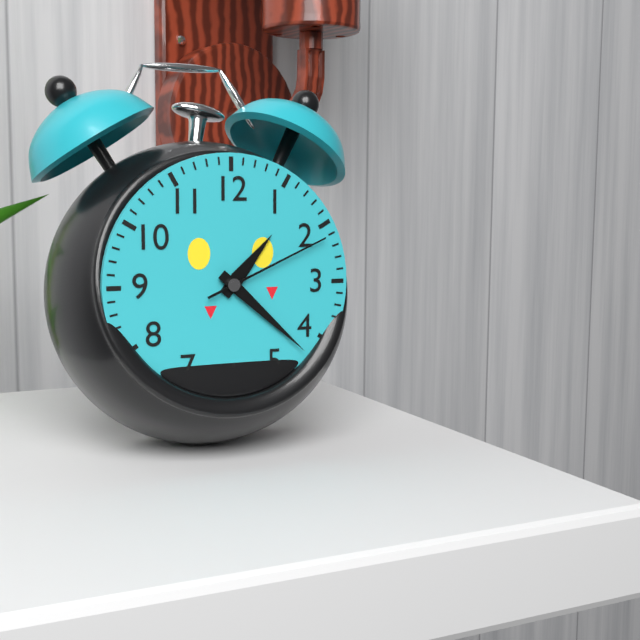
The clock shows h=1 m=22 s=11
